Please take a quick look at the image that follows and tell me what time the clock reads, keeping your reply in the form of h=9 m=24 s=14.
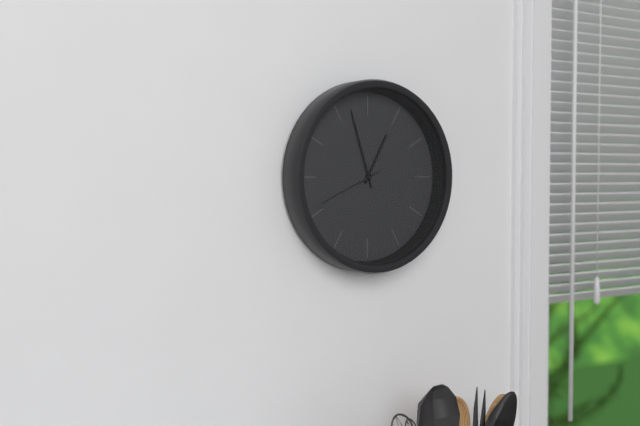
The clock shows h=12 m=57 s=41
